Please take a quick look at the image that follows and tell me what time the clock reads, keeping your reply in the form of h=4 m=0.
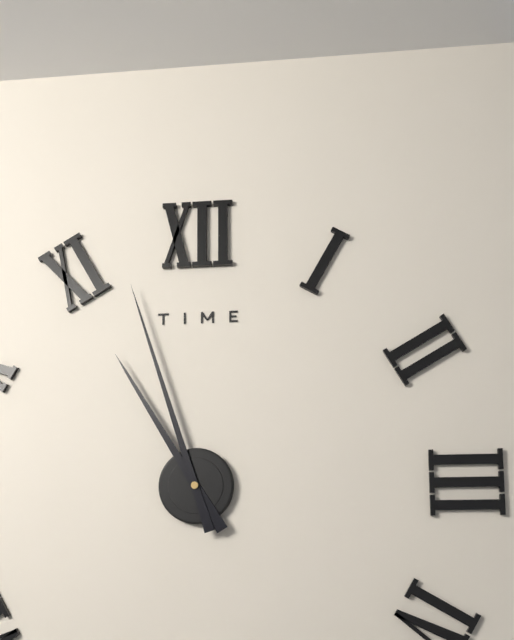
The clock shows h=10 m=57
